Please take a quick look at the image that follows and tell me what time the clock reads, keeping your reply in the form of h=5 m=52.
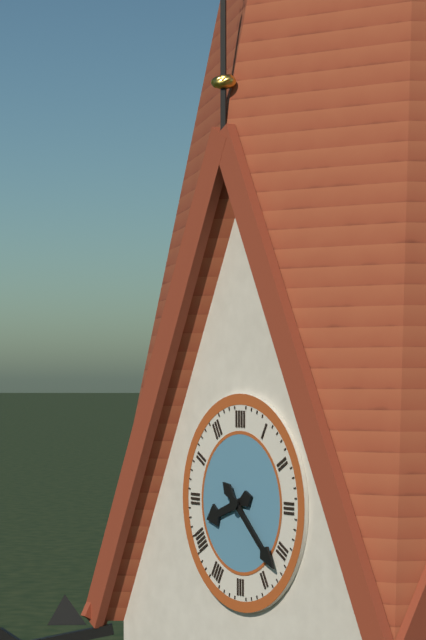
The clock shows h=8 m=22
